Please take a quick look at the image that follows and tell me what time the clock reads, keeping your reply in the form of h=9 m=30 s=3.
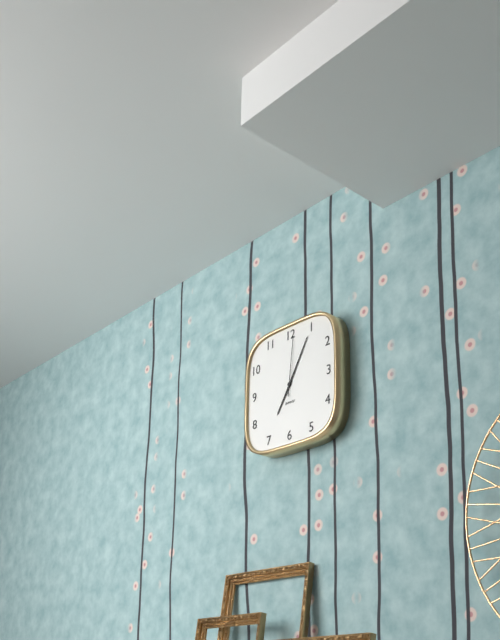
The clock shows h=7 m=5 s=1
